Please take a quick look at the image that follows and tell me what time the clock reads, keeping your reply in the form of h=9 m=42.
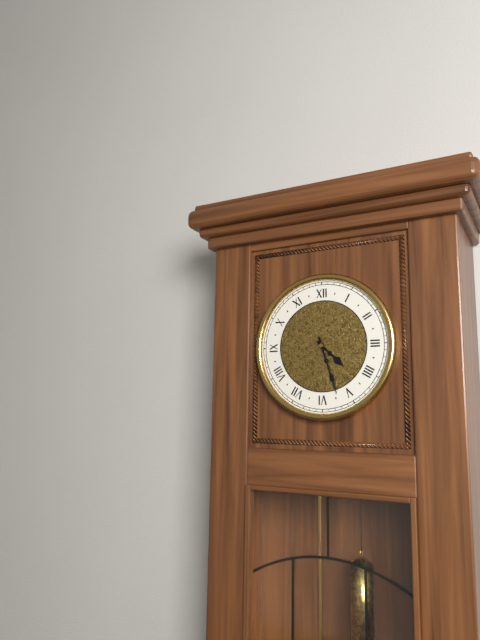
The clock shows h=4 m=27
